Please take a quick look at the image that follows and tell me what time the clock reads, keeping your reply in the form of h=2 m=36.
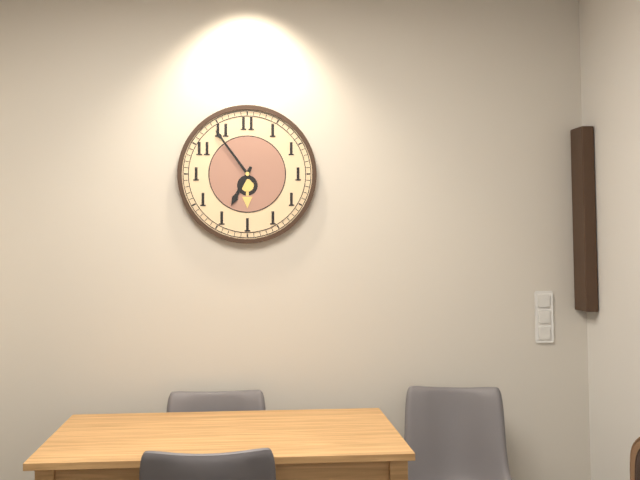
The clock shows h=6 m=54
